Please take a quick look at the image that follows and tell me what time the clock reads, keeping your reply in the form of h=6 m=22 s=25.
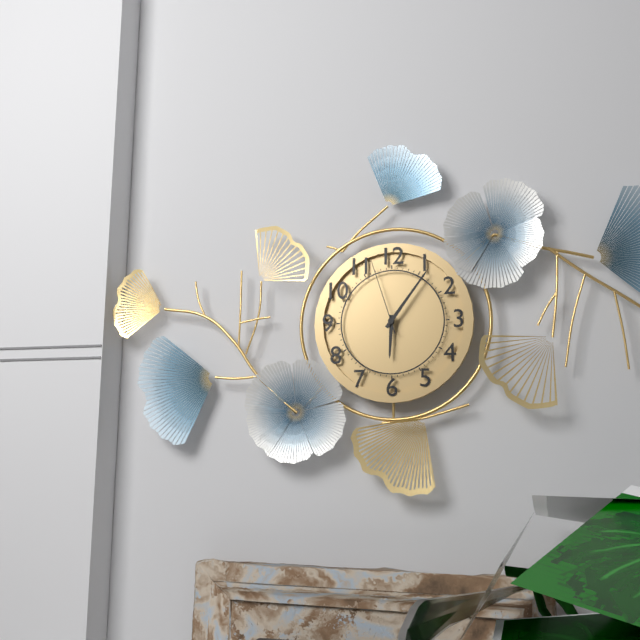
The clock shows h=6 m=6 s=57
